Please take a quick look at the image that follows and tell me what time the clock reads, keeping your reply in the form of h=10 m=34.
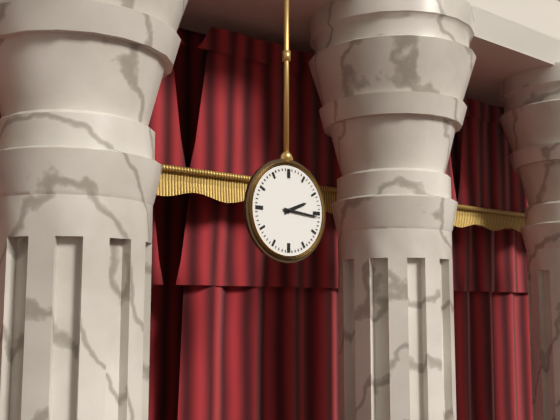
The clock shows h=2 m=16
